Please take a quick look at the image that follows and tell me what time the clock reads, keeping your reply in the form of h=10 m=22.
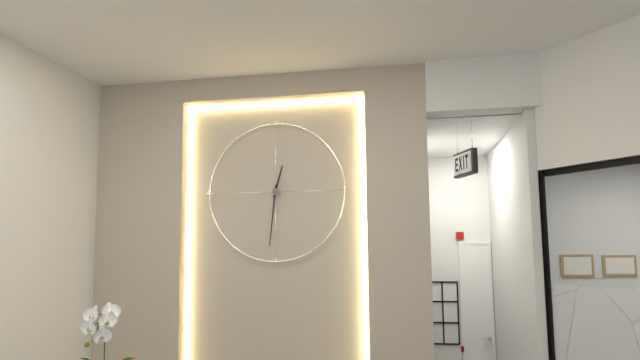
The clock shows h=12 m=31
